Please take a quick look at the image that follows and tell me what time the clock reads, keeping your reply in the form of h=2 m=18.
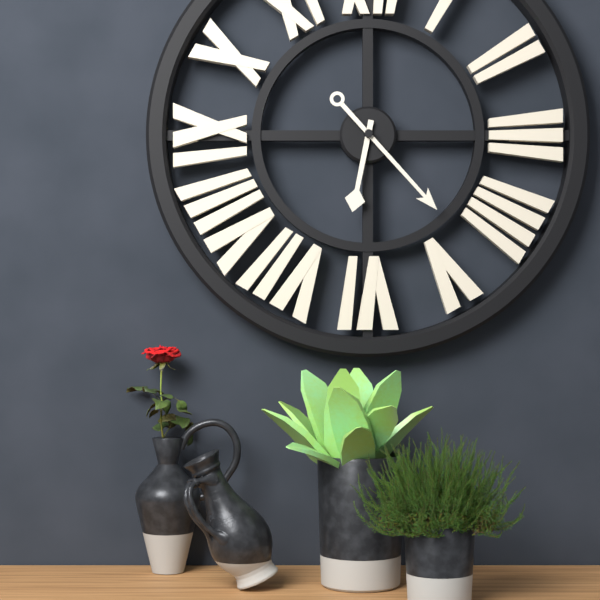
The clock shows h=6 m=23
